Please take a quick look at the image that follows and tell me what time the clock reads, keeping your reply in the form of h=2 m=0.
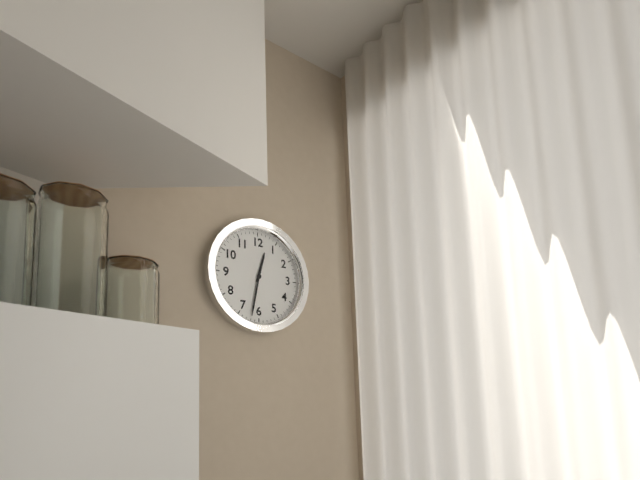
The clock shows h=12 m=32
